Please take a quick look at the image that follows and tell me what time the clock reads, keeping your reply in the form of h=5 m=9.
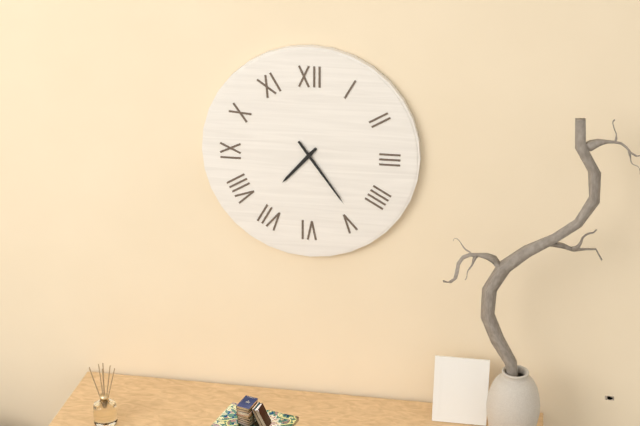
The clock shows h=7 m=24
